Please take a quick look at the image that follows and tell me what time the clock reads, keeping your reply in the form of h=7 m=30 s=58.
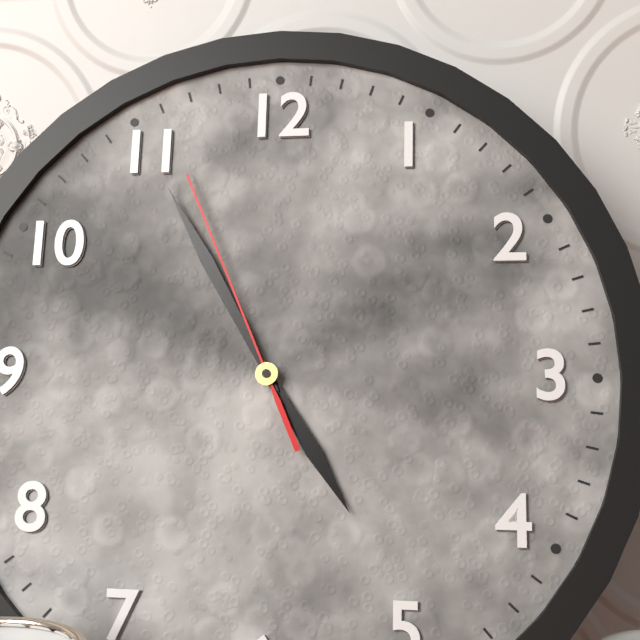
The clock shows h=4 m=55 s=56
